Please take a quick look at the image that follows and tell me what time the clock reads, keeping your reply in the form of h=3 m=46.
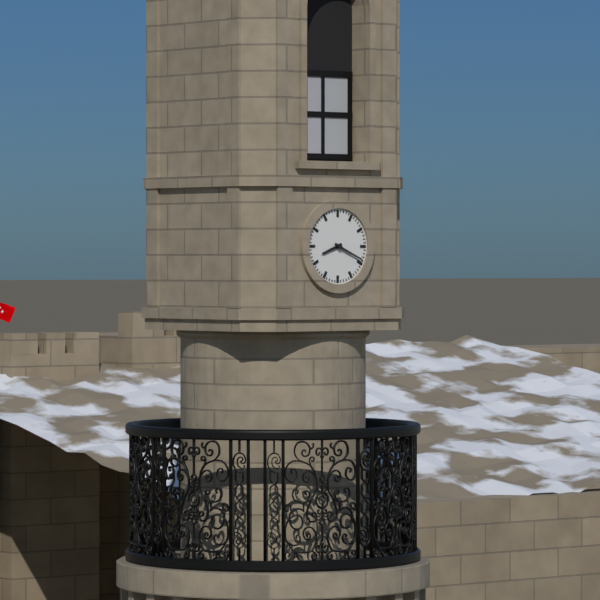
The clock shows h=8 m=19
